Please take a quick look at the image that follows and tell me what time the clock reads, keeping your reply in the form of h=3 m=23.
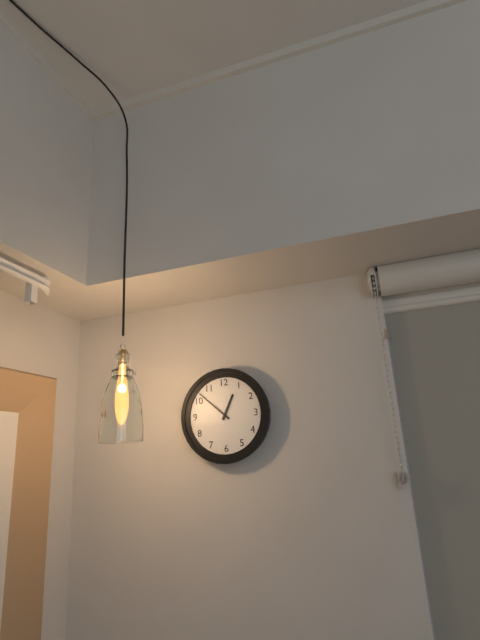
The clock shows h=12 m=52
